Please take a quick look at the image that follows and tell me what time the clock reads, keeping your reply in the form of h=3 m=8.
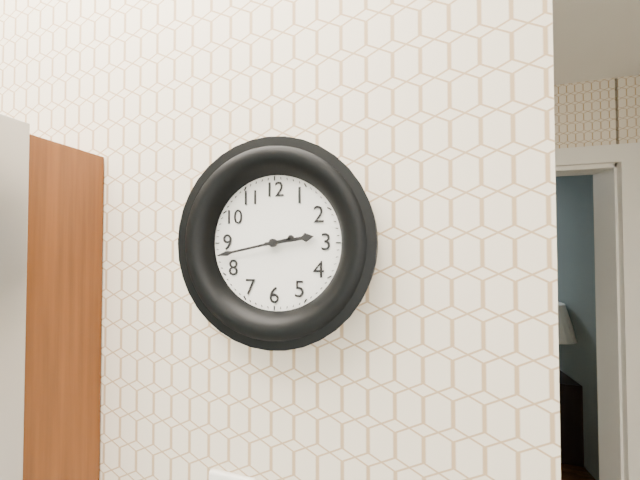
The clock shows h=2 m=43
